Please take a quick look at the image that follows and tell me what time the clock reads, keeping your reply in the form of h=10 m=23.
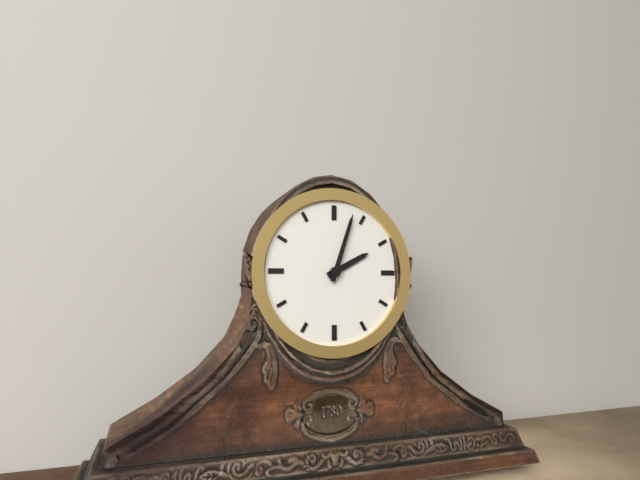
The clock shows h=2 m=3
